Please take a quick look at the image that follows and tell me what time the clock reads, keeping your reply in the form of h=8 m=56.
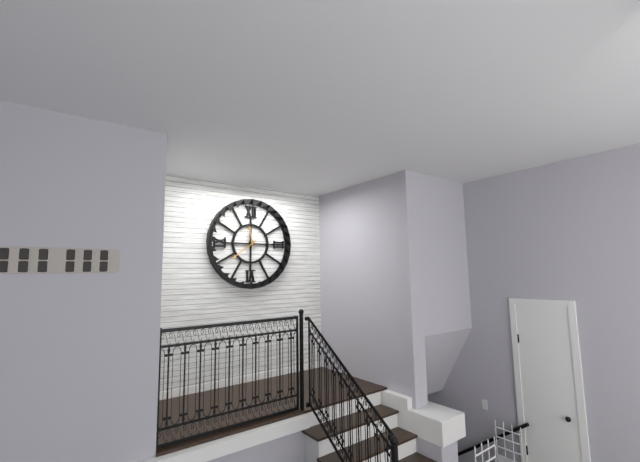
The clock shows h=11 m=39
